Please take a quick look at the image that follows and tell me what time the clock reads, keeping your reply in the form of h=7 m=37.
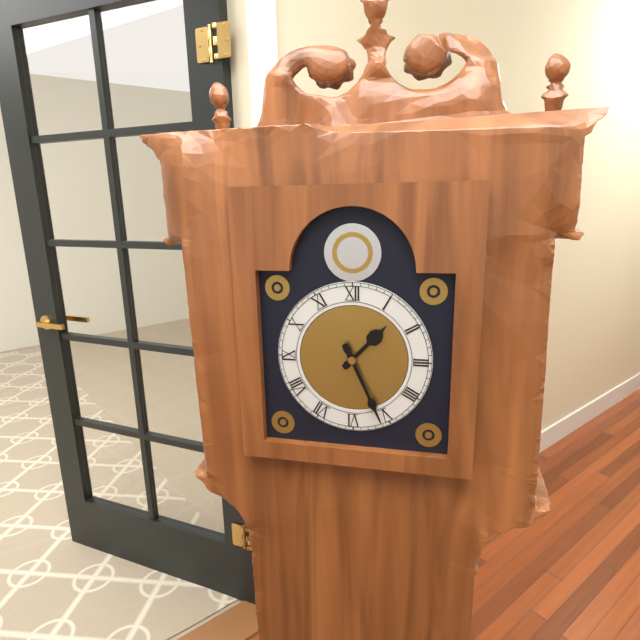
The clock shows h=1 m=26
